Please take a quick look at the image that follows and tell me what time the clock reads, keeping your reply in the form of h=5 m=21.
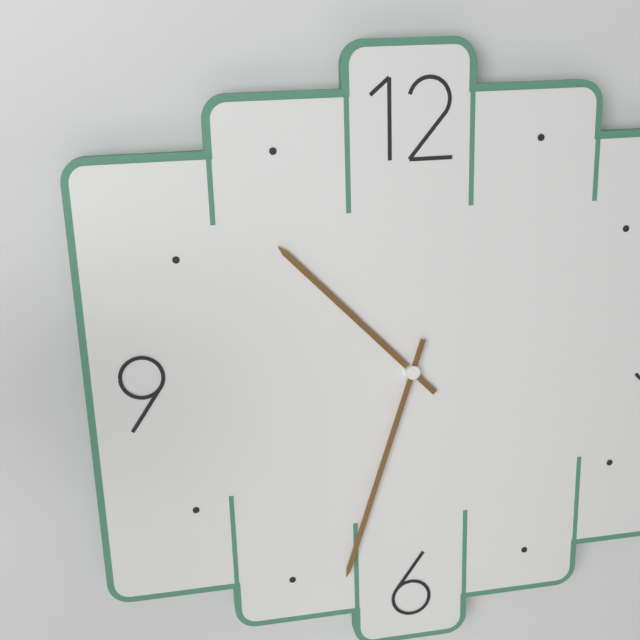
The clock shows h=10 m=33
